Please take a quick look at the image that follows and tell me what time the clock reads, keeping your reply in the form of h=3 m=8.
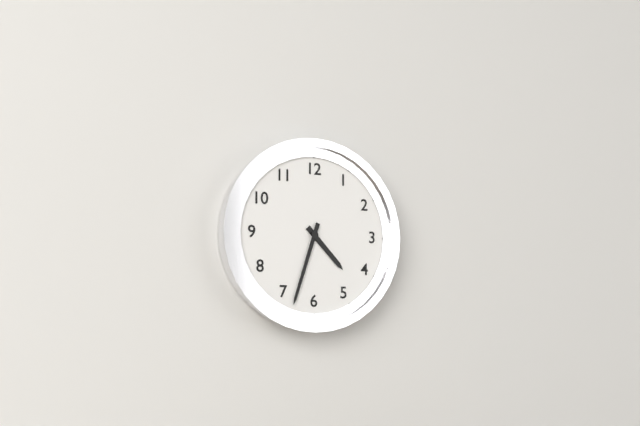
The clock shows h=4 m=33
